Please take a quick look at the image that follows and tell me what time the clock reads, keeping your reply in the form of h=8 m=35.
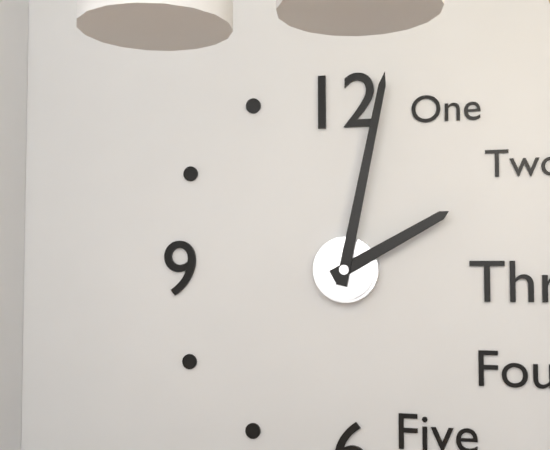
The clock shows h=2 m=2
